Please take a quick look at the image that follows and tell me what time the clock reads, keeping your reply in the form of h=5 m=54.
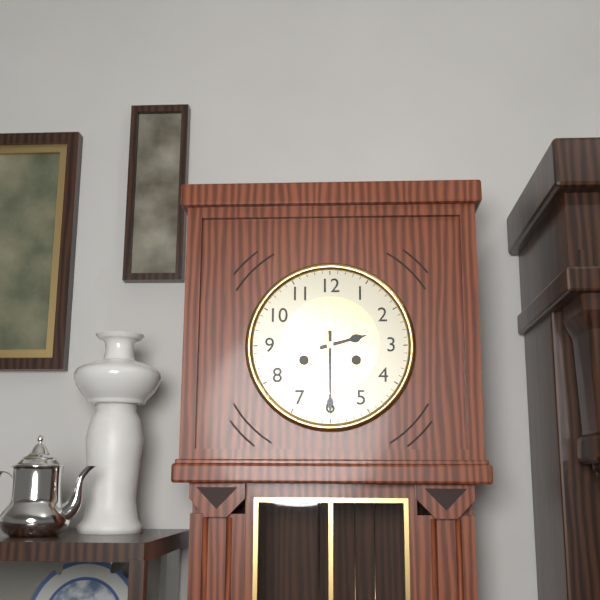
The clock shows h=2 m=30
